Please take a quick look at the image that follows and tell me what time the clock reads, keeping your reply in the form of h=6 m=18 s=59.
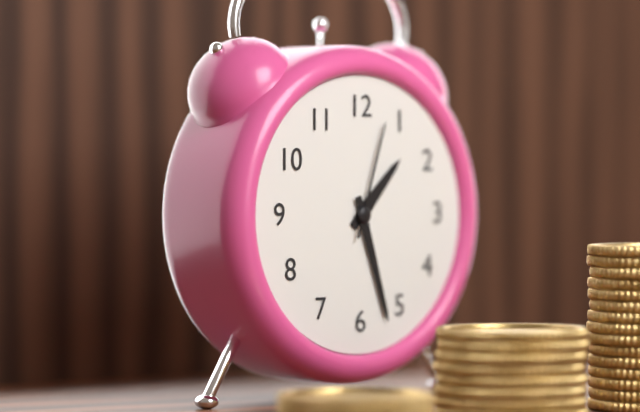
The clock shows h=1 m=27 s=3
